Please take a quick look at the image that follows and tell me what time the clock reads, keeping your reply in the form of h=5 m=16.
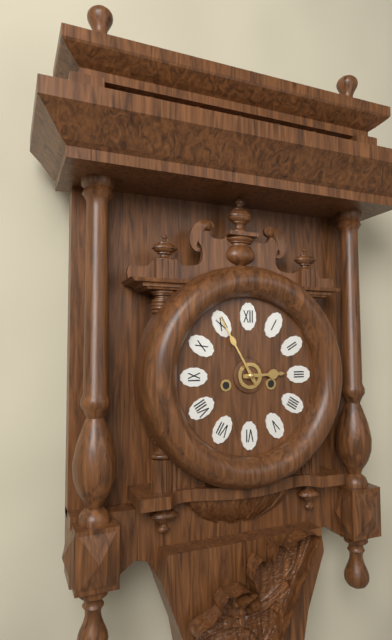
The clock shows h=2 m=55
